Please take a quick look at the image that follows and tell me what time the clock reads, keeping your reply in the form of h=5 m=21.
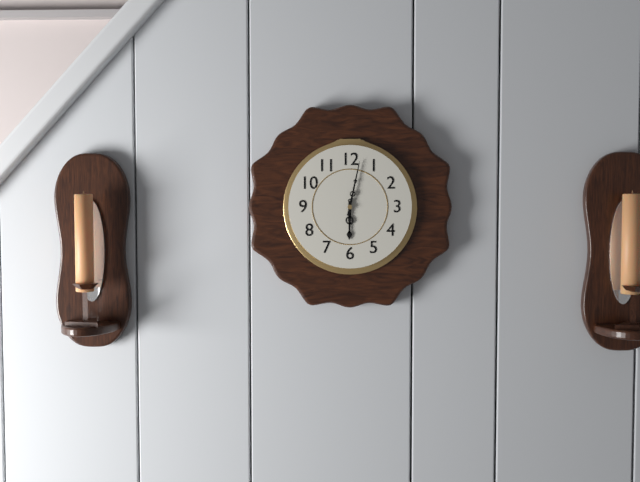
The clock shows h=6 m=2
